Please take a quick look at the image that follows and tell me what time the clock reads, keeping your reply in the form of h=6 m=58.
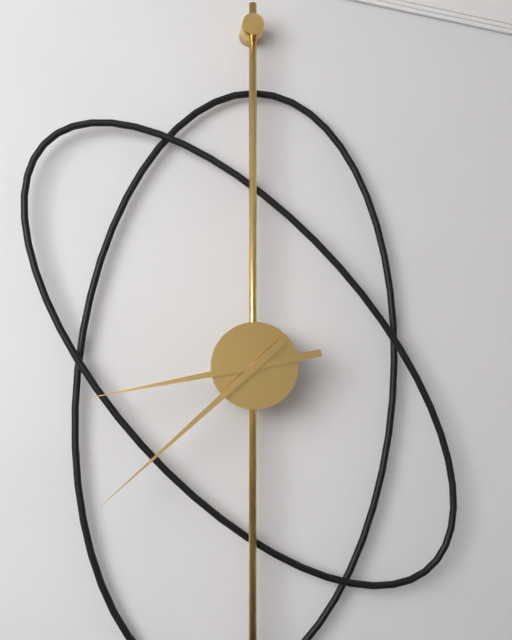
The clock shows h=8 m=38
